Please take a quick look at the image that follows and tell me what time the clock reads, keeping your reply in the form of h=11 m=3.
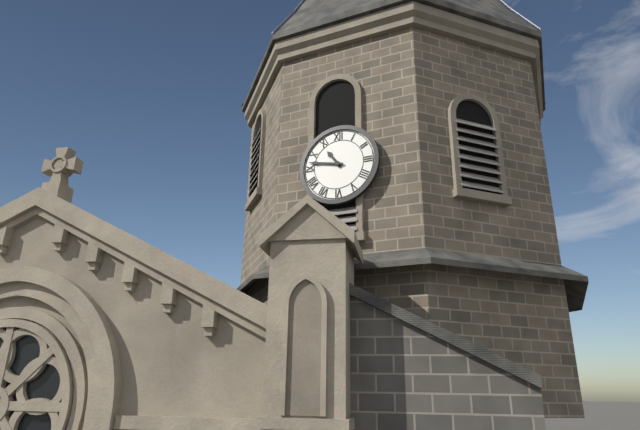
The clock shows h=10 m=47
